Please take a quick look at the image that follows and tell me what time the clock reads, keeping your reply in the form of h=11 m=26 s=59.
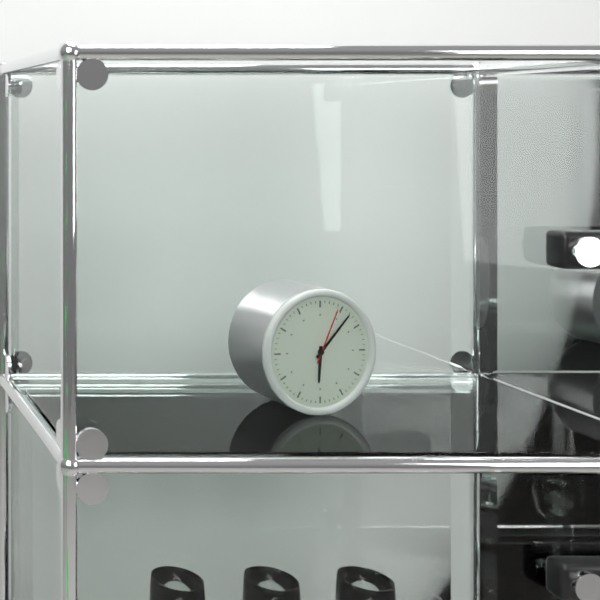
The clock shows h=6 m=7 s=4
